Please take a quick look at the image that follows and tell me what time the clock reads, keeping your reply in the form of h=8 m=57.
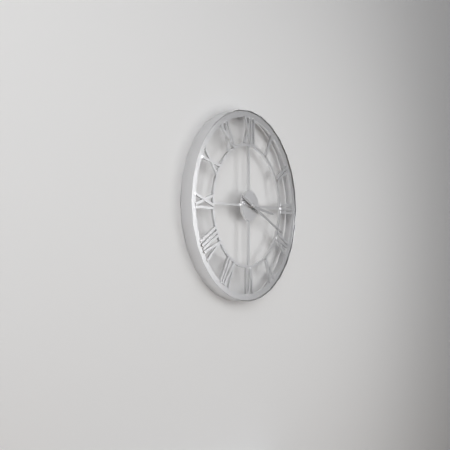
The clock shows h=3 m=19
